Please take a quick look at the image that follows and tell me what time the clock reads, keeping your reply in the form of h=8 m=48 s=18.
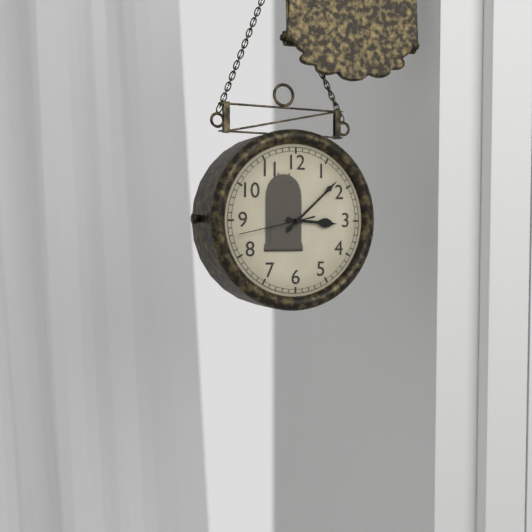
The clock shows h=3 m=8 s=43
